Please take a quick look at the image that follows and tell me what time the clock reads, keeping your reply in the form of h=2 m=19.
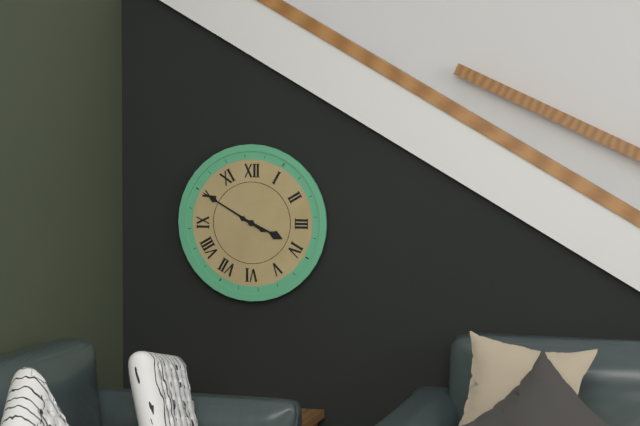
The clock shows h=3 m=50
